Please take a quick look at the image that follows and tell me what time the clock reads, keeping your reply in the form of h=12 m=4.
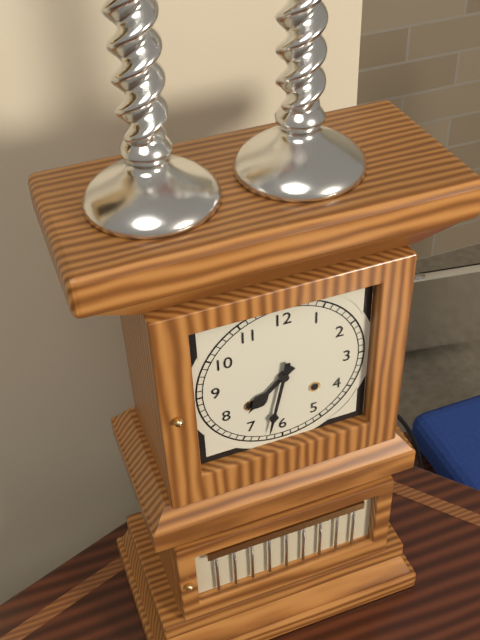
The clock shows h=7 m=32
